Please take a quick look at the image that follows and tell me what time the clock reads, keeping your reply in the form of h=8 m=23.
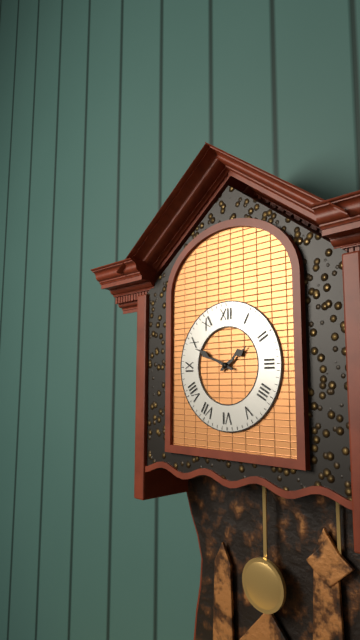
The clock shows h=1 m=49
